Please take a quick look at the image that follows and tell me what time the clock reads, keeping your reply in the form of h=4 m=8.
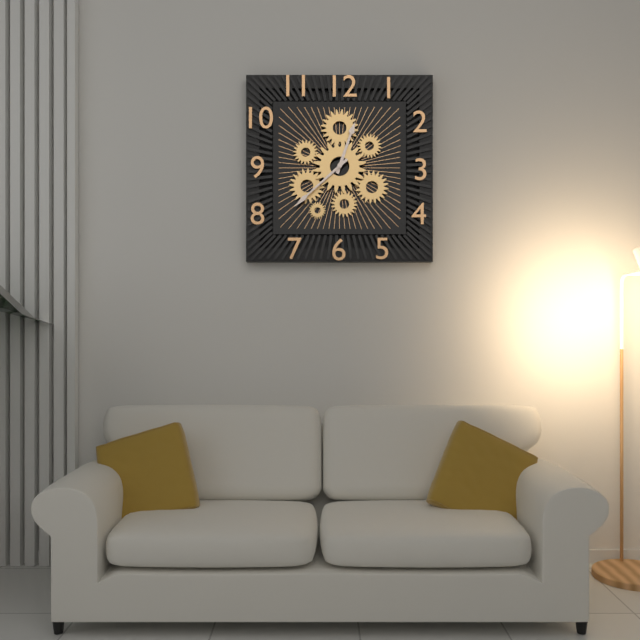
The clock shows h=12 m=38
